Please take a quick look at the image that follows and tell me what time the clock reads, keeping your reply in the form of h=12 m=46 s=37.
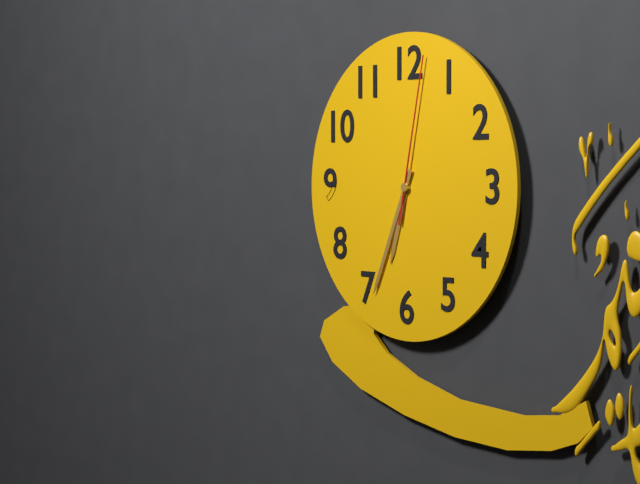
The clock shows h=6 m=34 s=2
